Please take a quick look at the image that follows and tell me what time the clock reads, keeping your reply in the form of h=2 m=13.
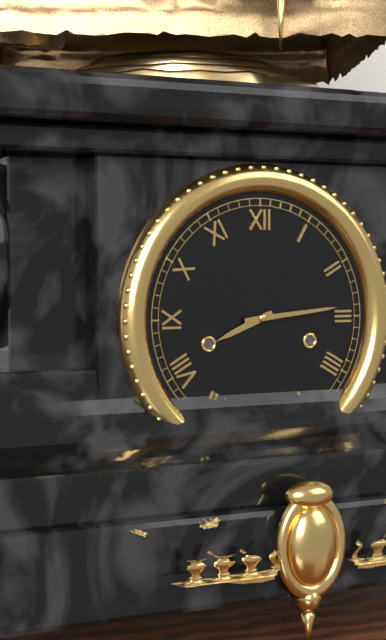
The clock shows h=8 m=14
